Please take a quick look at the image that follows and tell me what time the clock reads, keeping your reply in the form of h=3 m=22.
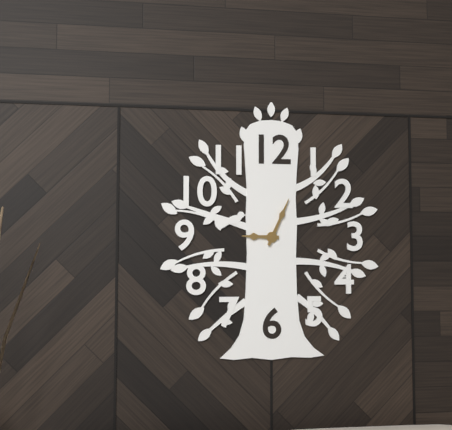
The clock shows h=9 m=4
